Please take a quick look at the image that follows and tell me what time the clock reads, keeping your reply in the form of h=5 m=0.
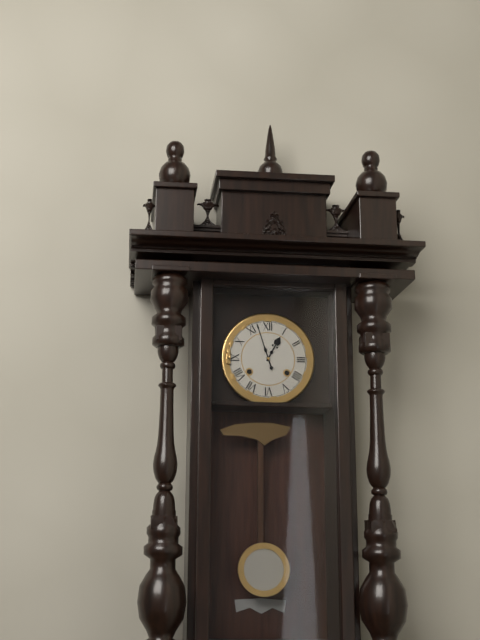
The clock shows h=12 m=57
